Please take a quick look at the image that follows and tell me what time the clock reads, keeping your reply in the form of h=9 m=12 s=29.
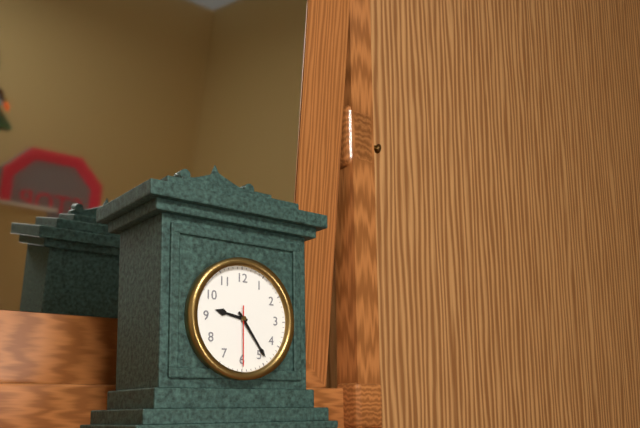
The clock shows h=9 m=24 s=30
